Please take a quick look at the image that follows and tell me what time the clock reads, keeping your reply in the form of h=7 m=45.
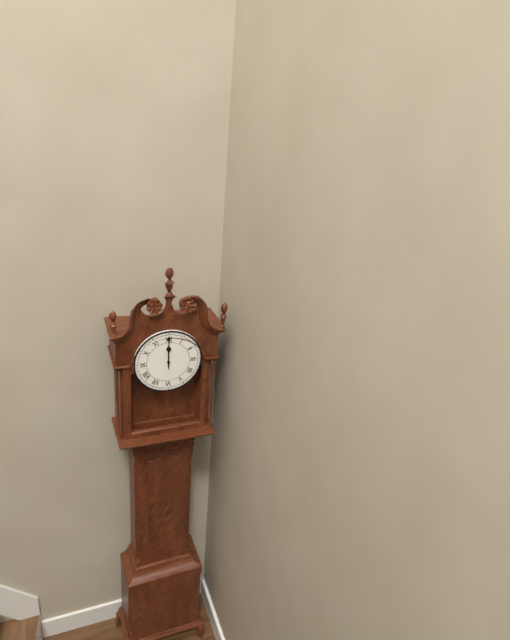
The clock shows h=12 m=0
